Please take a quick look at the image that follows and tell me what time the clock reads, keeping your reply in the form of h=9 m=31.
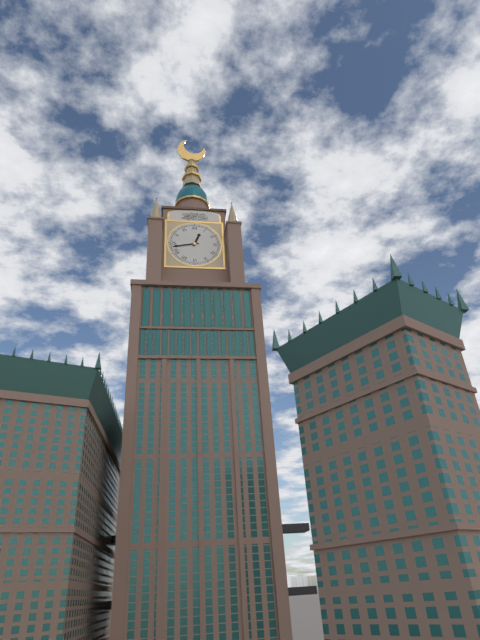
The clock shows h=12 m=43
